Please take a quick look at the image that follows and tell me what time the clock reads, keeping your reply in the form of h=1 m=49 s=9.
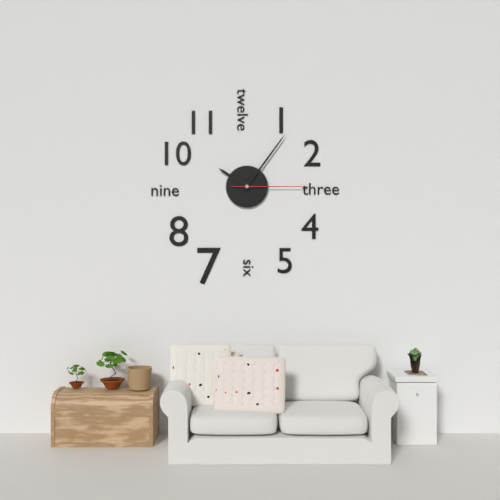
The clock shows h=10 m=6 s=15
